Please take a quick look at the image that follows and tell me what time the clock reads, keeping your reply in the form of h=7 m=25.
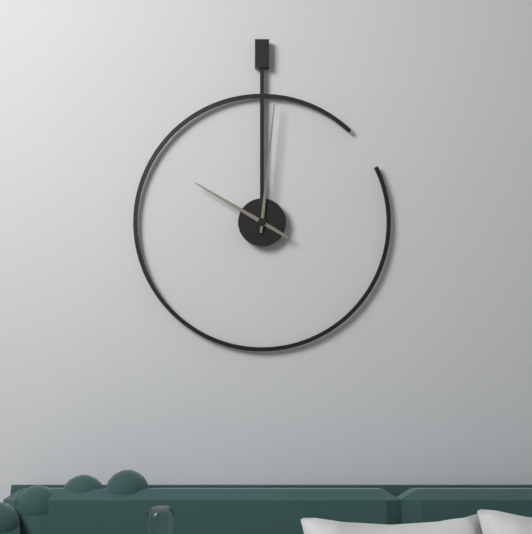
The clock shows h=10 m=1
